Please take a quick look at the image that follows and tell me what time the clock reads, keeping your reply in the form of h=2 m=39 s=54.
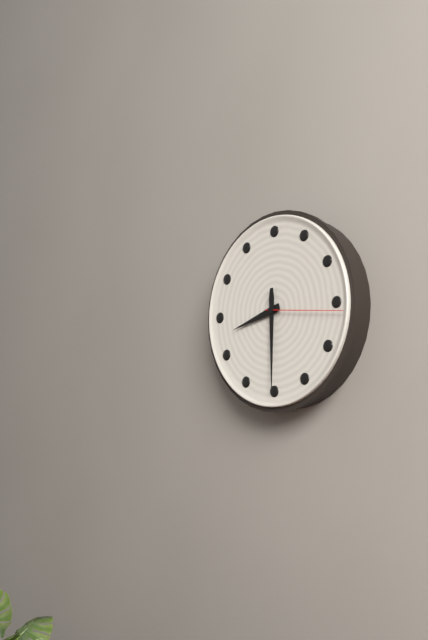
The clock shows h=8 m=30 s=16
